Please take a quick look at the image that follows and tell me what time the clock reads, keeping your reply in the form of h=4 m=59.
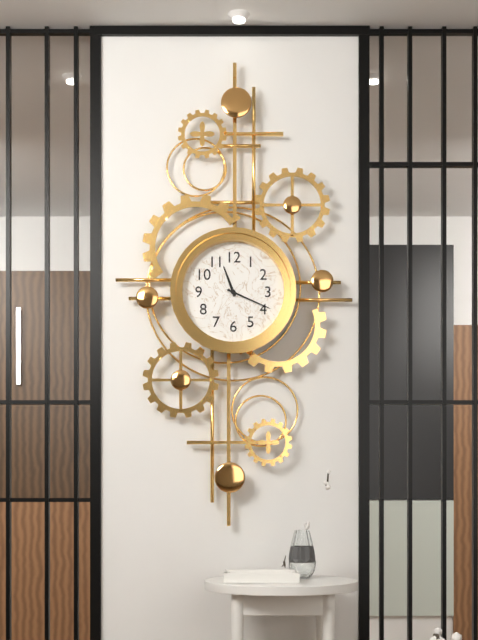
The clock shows h=11 m=19
